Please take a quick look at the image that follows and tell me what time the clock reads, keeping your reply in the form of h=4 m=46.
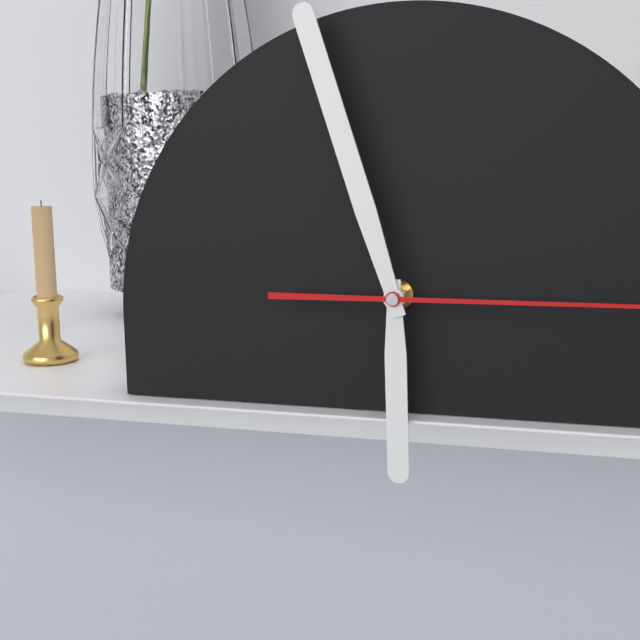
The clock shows h=5 m=57
